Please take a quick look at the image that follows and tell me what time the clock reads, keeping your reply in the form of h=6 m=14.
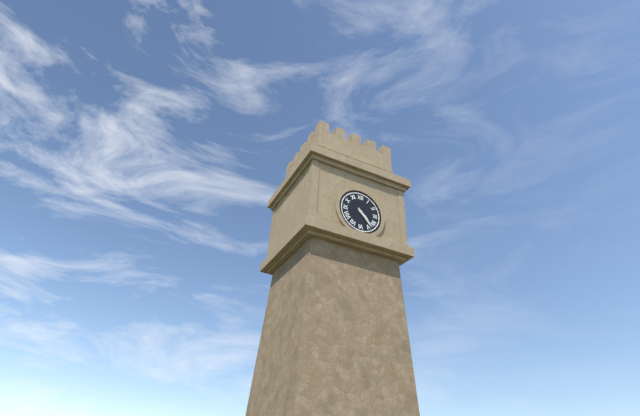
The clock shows h=4 m=23
